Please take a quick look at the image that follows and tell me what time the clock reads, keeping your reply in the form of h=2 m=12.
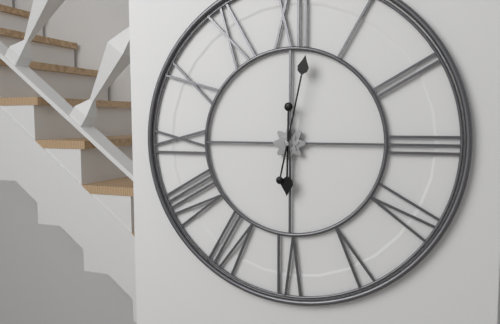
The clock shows h=6 m=2
